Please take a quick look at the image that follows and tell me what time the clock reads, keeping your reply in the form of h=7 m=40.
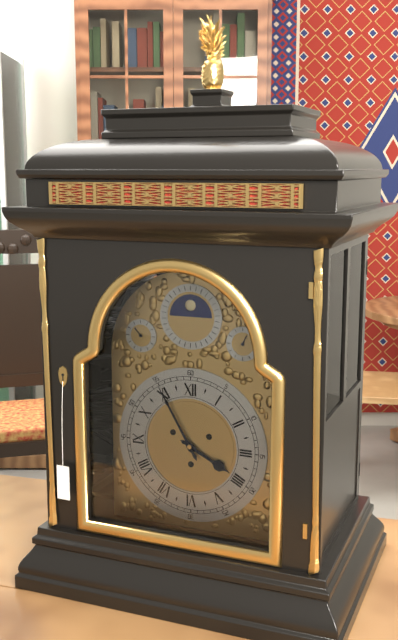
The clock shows h=3 m=55
